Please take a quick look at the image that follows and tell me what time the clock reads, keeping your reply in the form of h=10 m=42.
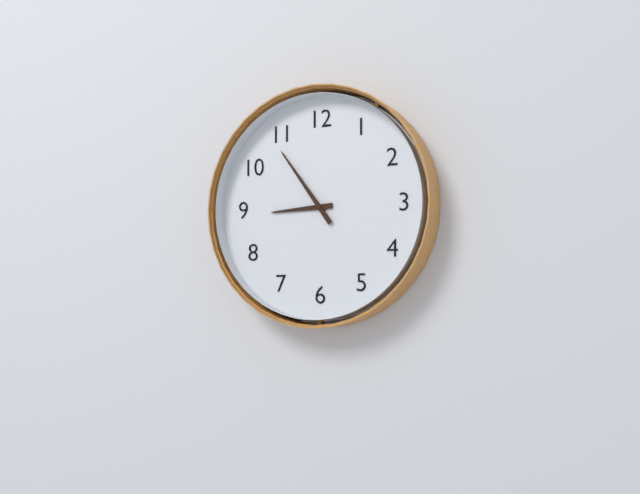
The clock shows h=8 m=54
